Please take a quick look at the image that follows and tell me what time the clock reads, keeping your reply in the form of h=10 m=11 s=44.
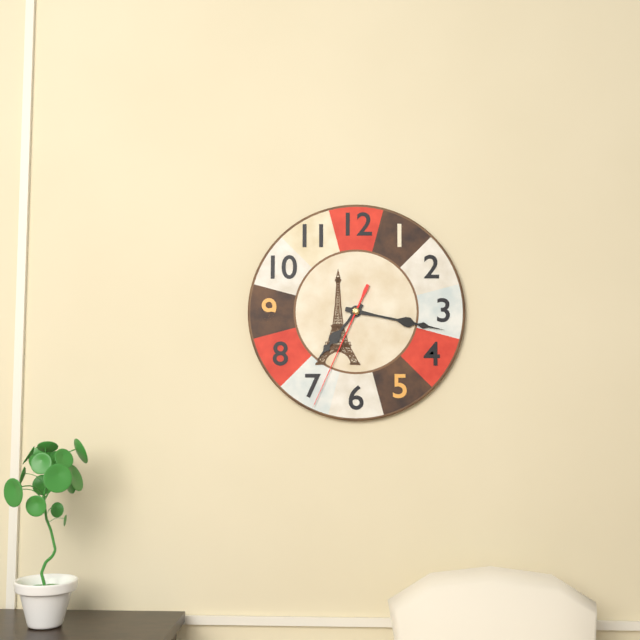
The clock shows h=7 m=17 s=34
